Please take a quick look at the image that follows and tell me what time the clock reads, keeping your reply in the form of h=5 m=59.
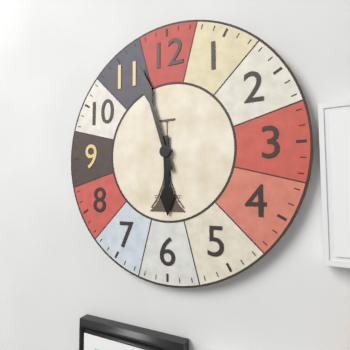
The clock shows h=5 m=57
